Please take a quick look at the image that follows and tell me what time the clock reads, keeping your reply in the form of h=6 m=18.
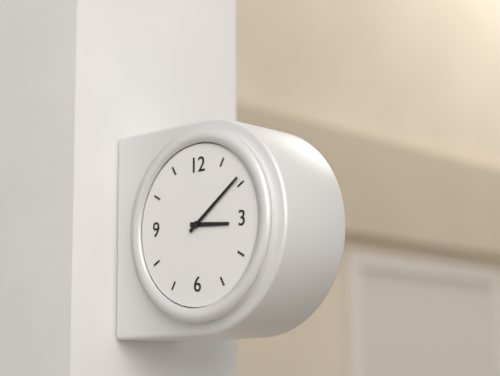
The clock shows h=3 m=9
